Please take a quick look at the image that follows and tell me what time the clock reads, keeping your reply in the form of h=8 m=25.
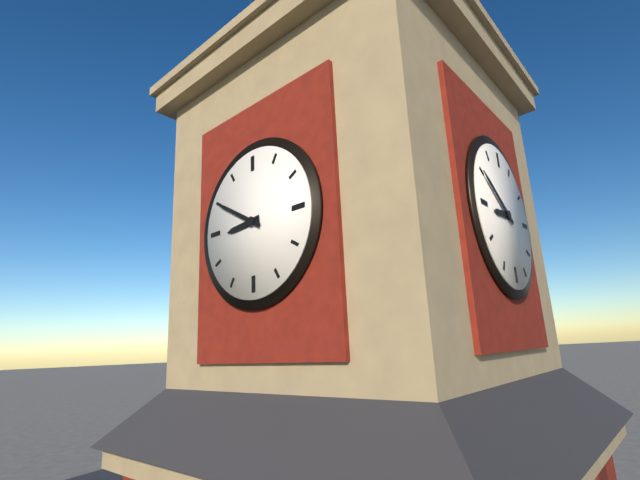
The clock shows h=8 m=50
